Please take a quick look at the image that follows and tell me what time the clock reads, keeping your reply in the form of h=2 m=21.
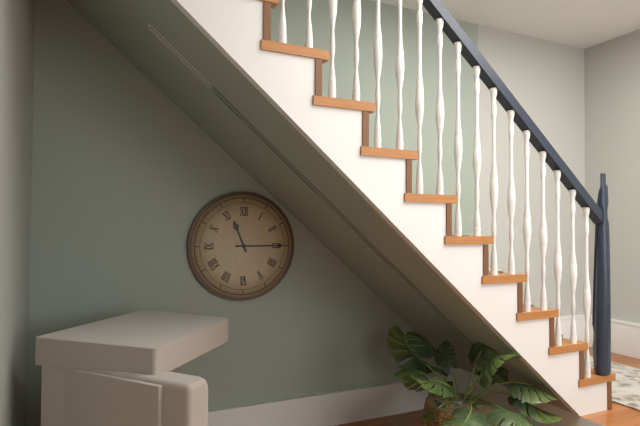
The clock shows h=11 m=15
